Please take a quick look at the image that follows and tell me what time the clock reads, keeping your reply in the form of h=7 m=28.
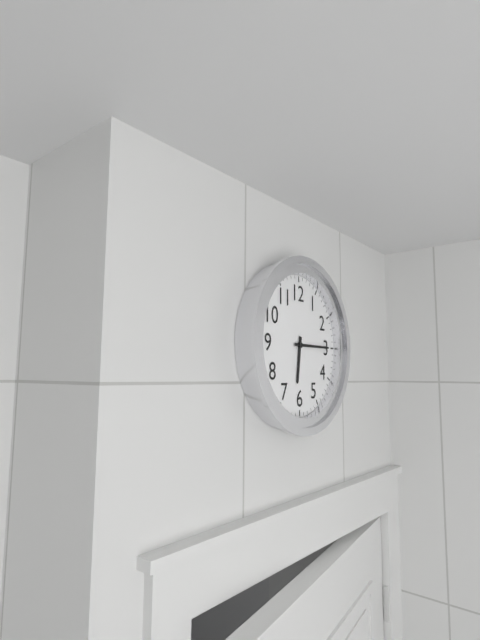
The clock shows h=6 m=15
